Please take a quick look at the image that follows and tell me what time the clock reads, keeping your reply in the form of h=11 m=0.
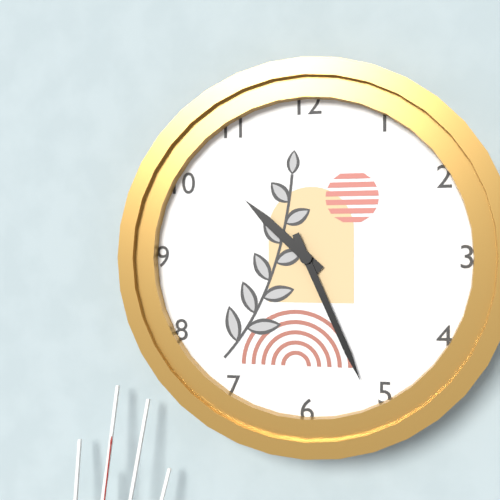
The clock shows h=10 m=26
